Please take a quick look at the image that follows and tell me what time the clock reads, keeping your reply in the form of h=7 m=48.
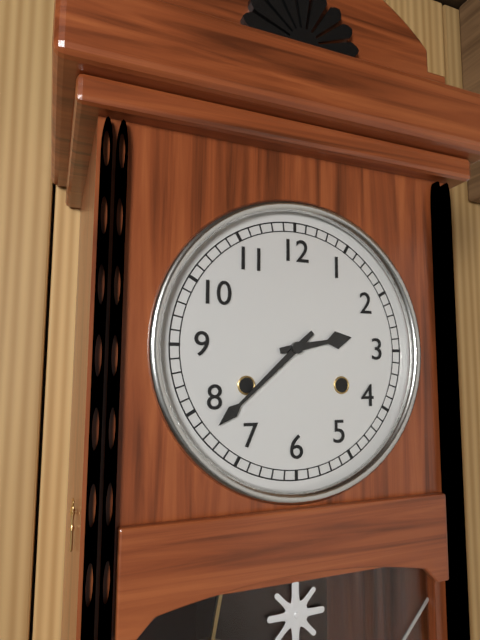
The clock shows h=2 m=38
